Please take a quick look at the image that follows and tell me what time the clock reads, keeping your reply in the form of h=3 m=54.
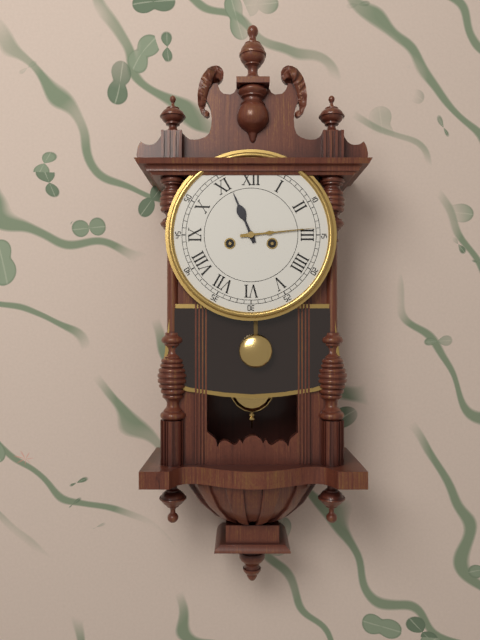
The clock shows h=11 m=14
